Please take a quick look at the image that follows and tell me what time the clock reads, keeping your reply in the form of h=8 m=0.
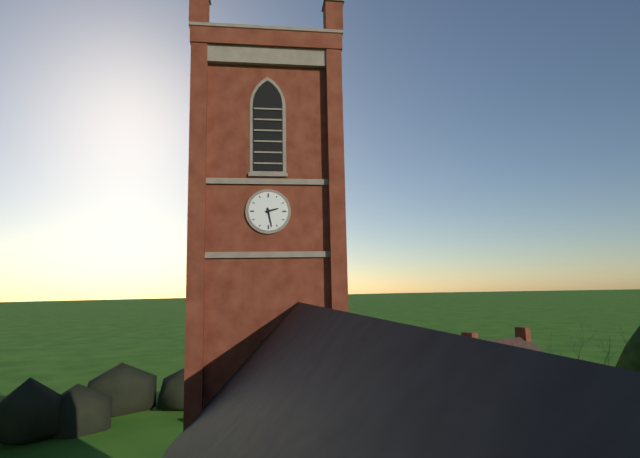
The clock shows h=2 m=28
